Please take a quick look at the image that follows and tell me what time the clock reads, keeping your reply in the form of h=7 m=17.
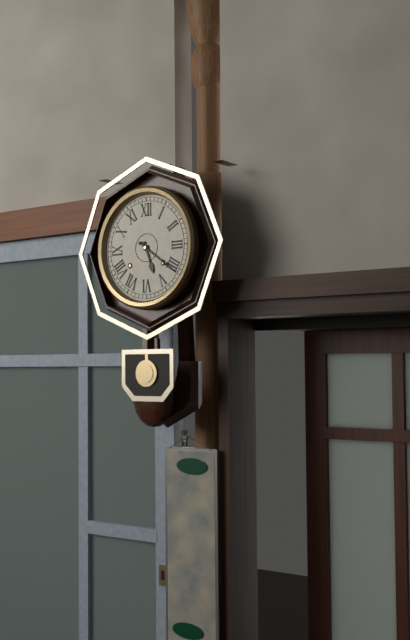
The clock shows h=5 m=21
